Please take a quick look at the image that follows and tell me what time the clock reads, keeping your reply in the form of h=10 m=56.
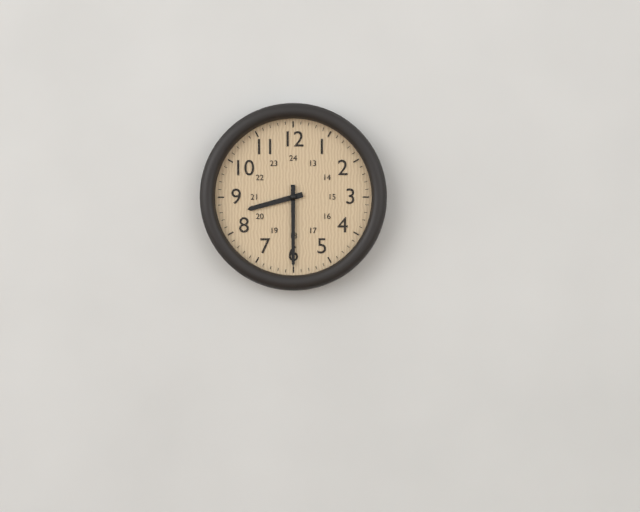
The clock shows h=8 m=30
